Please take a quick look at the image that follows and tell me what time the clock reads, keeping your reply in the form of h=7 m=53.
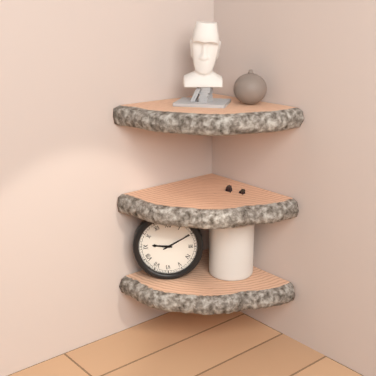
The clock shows h=9 m=10
